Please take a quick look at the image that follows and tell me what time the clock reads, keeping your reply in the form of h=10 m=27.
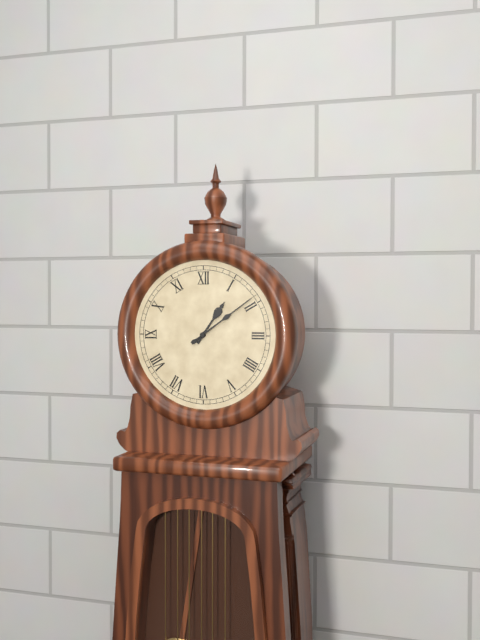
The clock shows h=1 m=9
